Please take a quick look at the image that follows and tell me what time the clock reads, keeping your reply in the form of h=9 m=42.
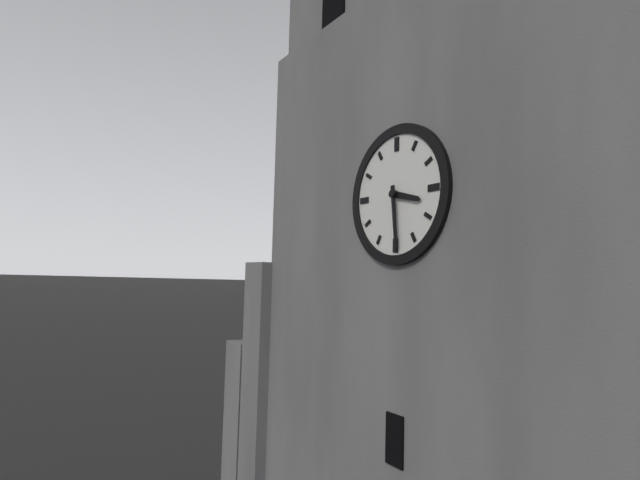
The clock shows h=3 m=29
